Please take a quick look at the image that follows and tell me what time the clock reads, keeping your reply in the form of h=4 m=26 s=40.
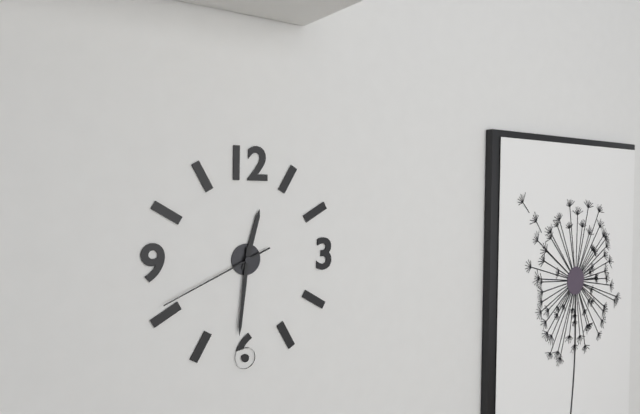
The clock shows h=12 m=31 s=41
